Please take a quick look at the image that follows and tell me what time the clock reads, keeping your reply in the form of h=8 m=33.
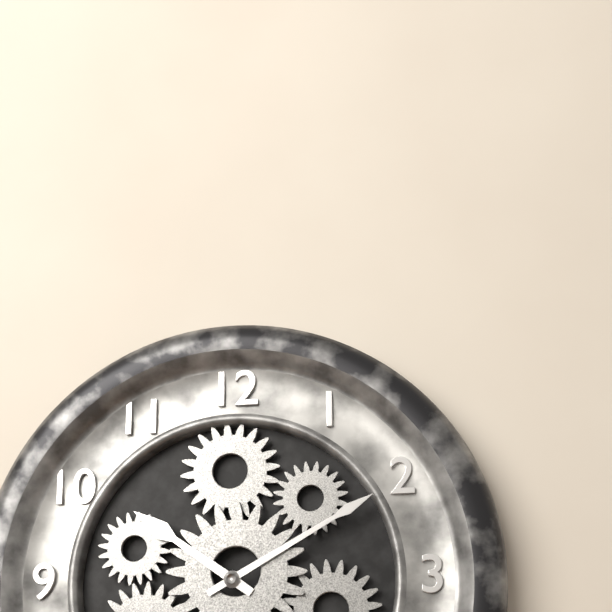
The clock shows h=10 m=10
